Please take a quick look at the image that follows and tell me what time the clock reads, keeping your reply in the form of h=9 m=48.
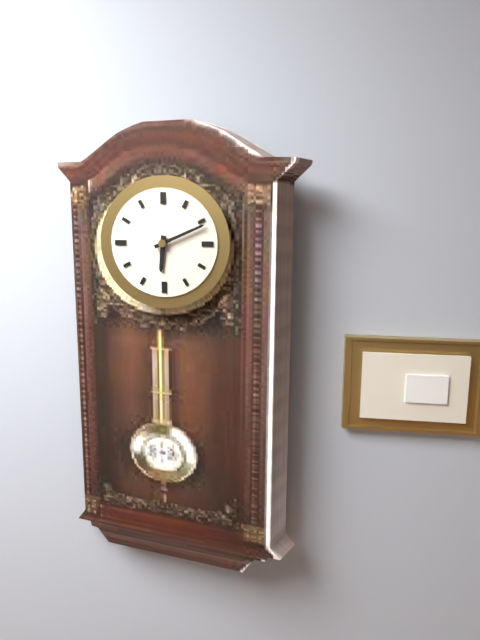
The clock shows h=6 m=11
